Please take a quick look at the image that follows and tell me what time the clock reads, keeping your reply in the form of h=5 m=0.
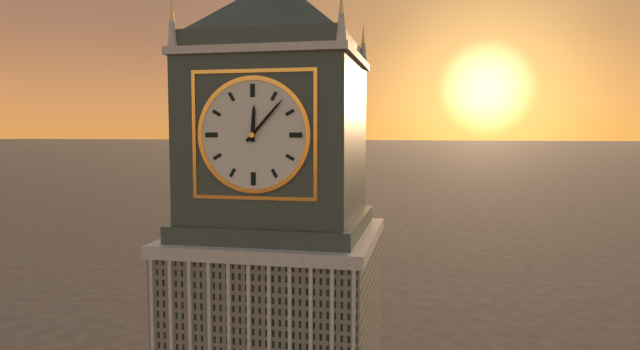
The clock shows h=12 m=7
